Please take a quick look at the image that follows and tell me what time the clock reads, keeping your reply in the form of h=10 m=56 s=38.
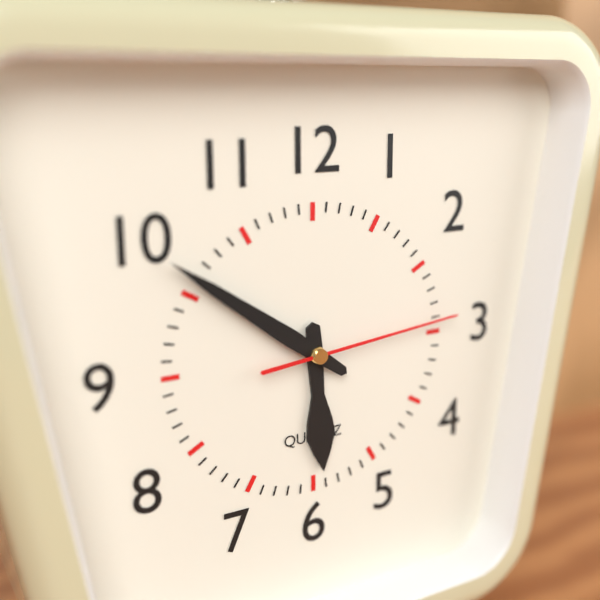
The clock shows h=5 m=51 s=14
